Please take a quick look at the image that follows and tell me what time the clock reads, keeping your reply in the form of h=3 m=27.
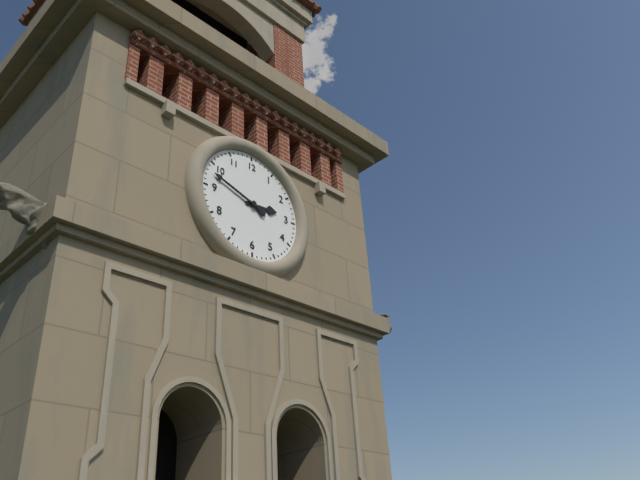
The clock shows h=2 m=48
